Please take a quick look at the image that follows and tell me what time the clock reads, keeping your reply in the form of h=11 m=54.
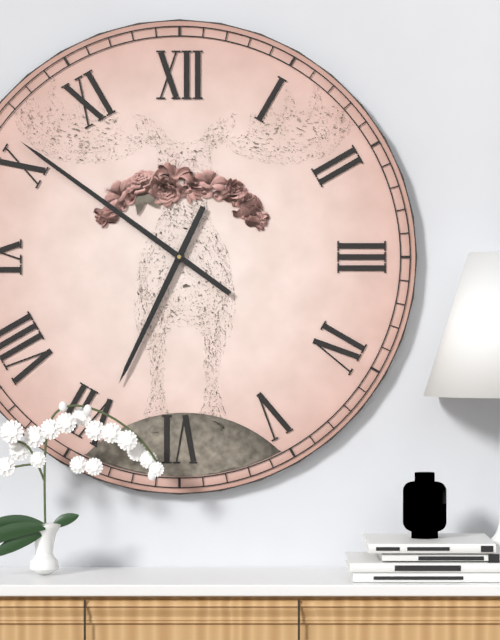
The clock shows h=6 m=51
